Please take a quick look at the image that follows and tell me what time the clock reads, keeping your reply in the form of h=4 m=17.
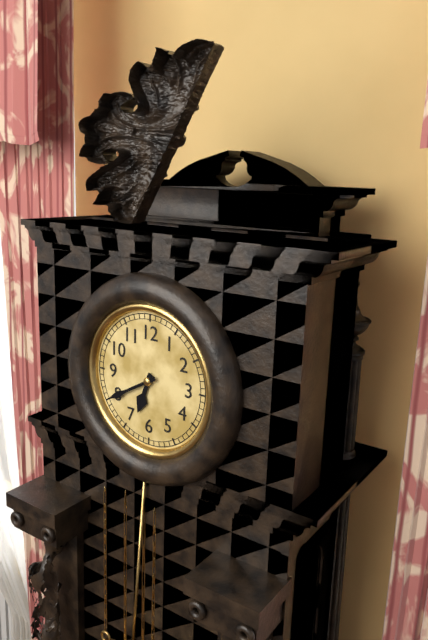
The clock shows h=6 m=40
